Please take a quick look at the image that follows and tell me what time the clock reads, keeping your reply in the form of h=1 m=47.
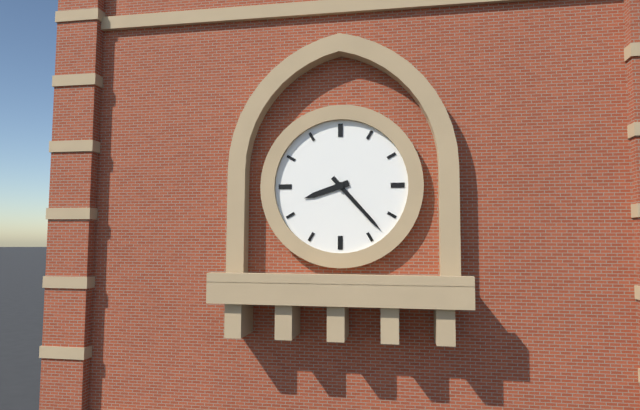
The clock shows h=8 m=23
